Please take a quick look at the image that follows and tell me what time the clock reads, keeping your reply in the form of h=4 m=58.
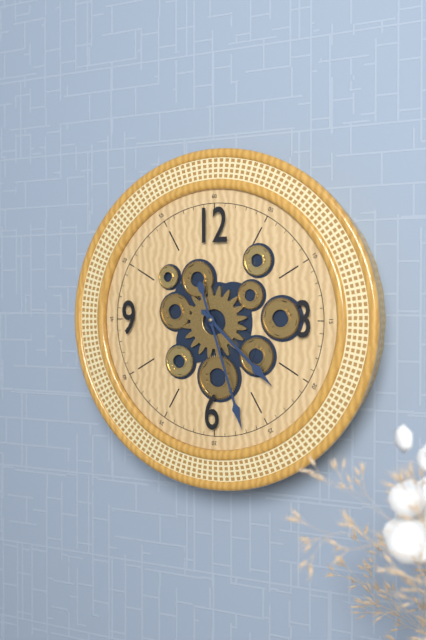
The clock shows h=4 m=27
